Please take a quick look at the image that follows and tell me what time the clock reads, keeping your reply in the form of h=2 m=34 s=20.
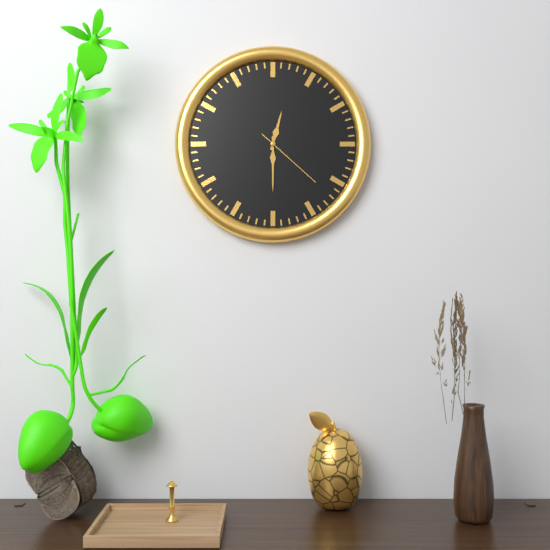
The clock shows h=12 m=30 s=22
